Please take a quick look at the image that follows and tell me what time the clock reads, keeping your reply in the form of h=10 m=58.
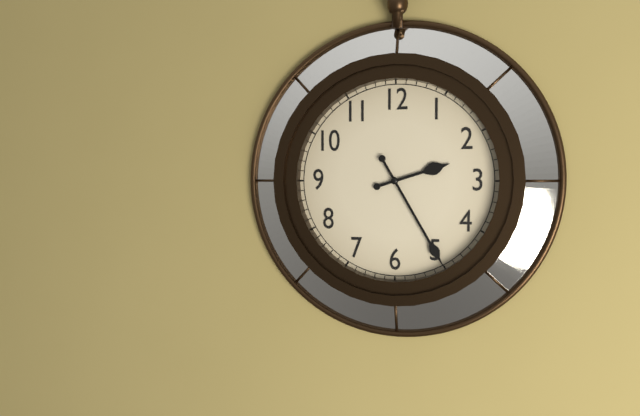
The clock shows h=2 m=25
